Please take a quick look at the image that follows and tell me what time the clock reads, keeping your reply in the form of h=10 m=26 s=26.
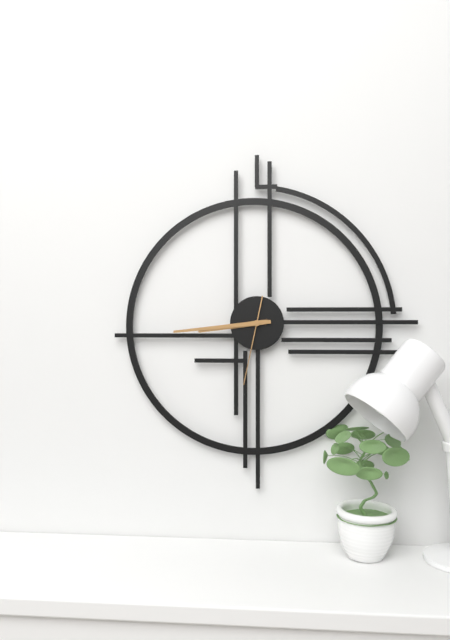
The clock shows h=8 m=44 s=32
